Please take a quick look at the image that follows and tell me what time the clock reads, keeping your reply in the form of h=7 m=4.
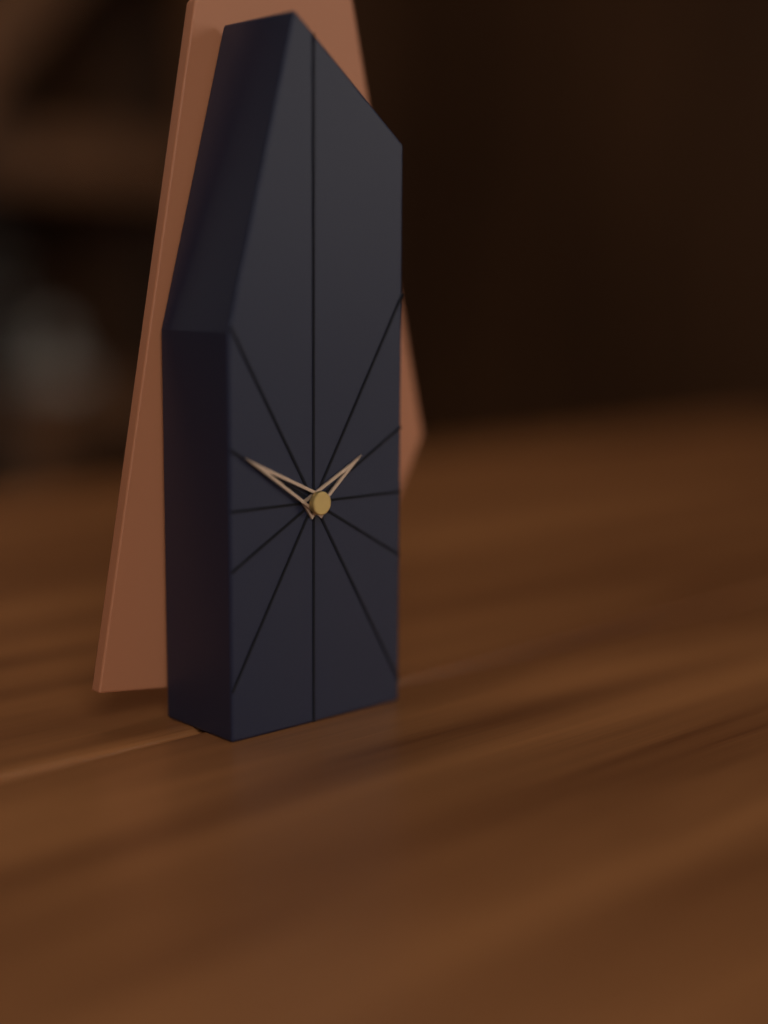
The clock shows h=1 m=50
